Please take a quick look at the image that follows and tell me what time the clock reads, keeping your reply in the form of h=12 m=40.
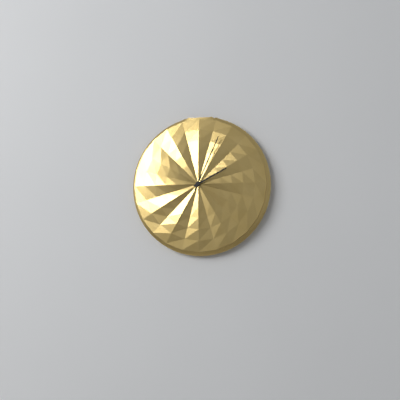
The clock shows h=2 m=4
